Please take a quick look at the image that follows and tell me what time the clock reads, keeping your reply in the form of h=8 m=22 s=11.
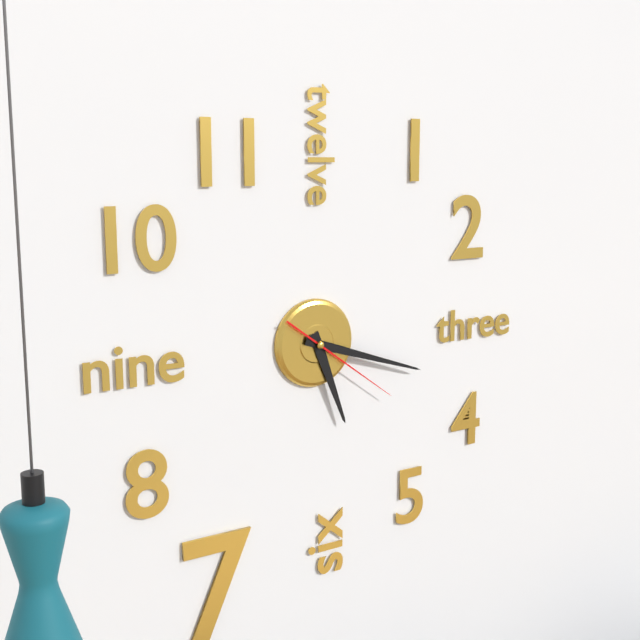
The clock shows h=5 m=18 s=21
